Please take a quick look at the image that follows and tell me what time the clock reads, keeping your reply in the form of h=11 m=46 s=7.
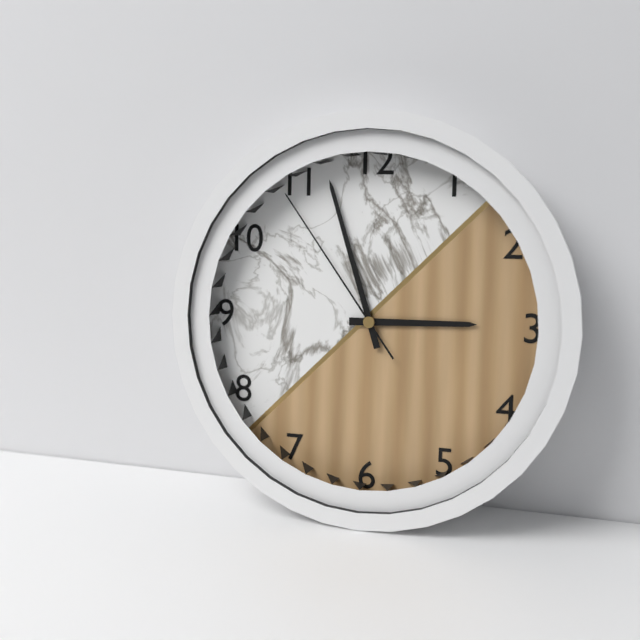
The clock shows h=2 m=57 s=54
